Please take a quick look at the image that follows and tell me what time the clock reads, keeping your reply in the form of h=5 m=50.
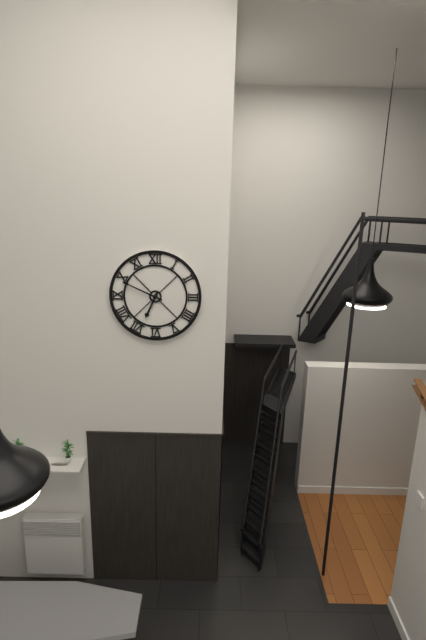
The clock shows h=6 m=49
